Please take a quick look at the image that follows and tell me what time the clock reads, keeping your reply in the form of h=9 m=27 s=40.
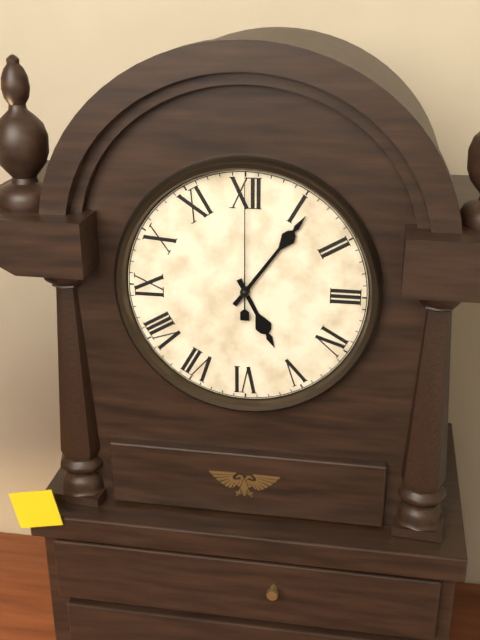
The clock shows h=5 m=6 s=0
